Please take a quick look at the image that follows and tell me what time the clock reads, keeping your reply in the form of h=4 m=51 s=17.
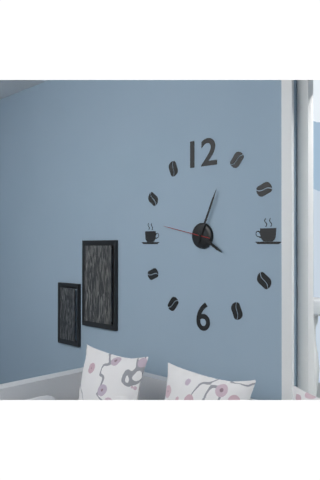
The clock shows h=4 m=4 s=47
